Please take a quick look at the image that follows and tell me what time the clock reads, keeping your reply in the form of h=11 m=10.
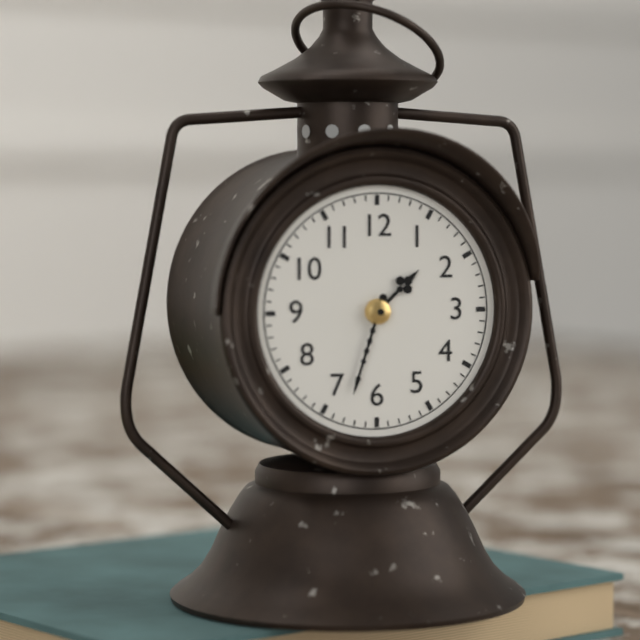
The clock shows h=1 m=33
